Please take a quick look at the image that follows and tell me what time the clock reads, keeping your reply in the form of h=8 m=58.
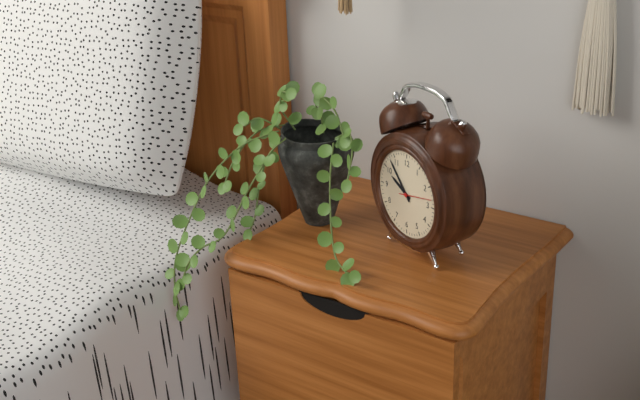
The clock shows h=9 m=53
